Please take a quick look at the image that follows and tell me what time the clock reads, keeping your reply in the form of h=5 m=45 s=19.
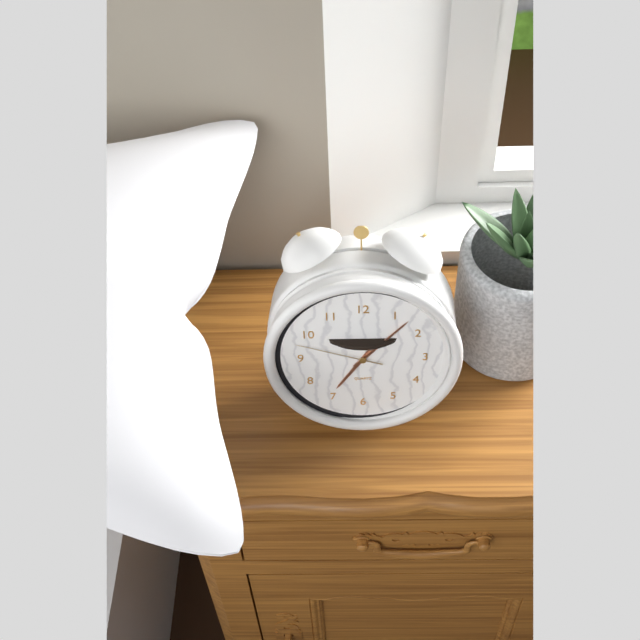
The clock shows h=7 m=7 s=48
